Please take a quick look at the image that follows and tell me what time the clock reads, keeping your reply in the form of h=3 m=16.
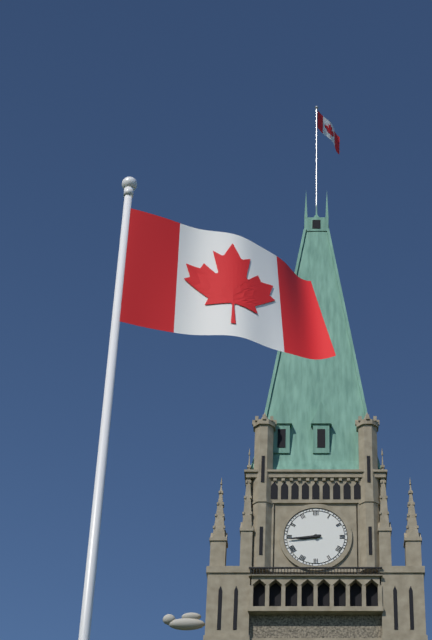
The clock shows h=8 m=44
